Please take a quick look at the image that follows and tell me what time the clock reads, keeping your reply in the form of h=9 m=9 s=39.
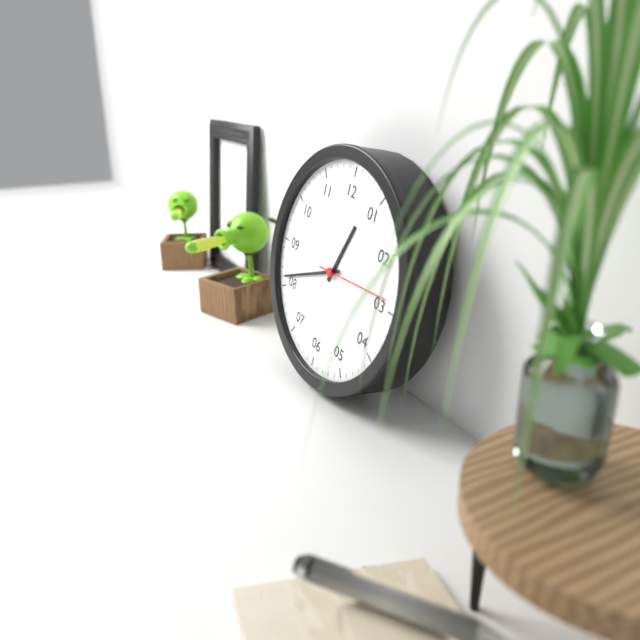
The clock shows h=12 m=41 s=14
